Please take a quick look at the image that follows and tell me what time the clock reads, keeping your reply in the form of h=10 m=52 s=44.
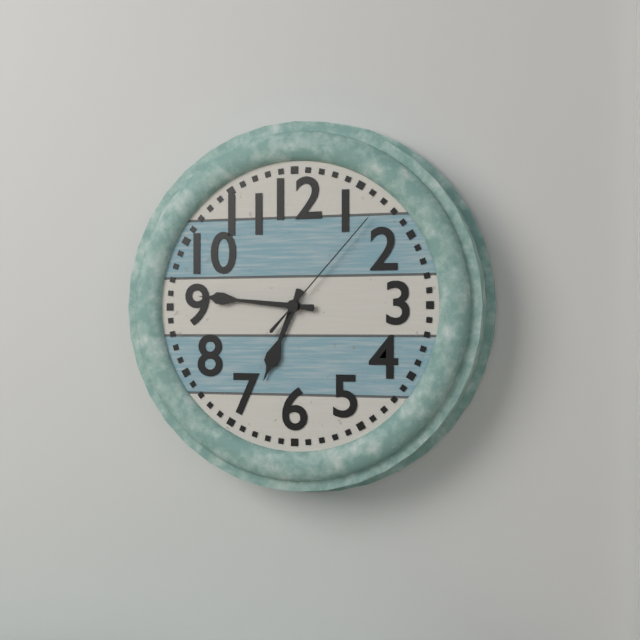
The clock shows h=6 m=46 s=7
